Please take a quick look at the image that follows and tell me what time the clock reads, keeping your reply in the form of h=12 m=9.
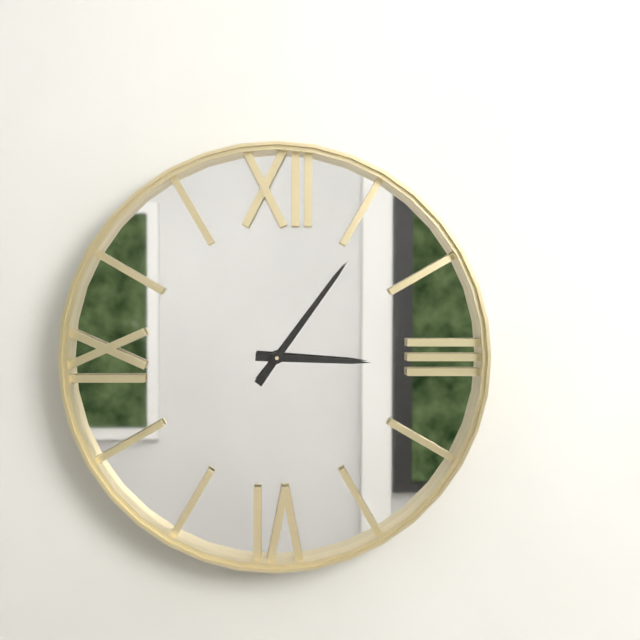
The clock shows h=3 m=6
